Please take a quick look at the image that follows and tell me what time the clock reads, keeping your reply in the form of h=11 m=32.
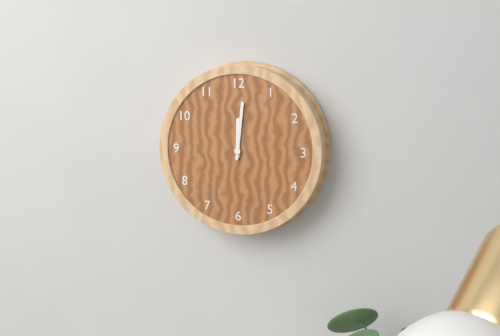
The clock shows h=12 m=1
